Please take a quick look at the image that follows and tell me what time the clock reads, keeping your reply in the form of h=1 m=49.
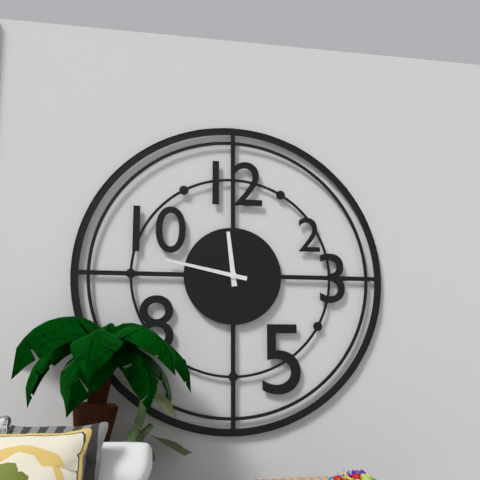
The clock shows h=11 m=47
